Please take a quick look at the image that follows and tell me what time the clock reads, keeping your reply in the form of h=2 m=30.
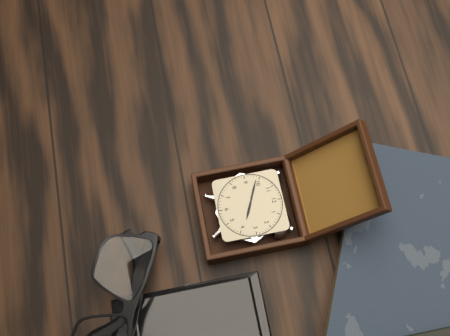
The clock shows h=3 m=49
